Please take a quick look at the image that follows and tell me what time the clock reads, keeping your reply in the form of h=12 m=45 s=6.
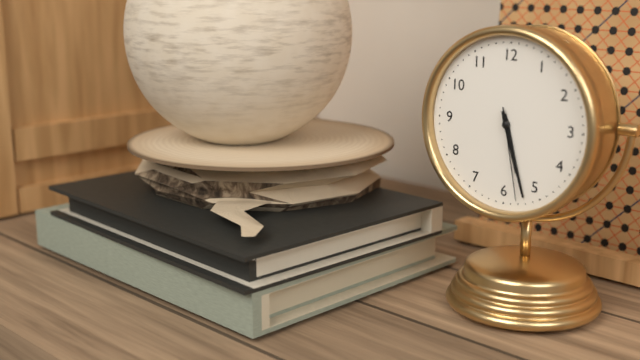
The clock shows h=5 m=27 s=28
